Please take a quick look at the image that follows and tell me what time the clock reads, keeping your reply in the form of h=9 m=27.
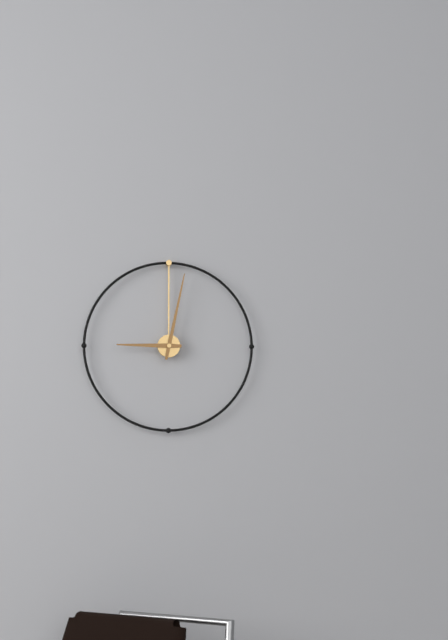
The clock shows h=9 m=2
